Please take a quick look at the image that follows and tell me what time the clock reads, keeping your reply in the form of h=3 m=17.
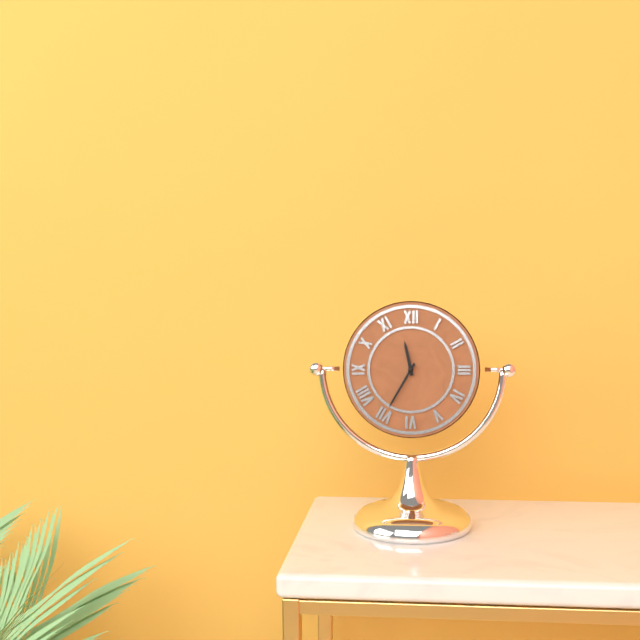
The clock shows h=11 m=35
